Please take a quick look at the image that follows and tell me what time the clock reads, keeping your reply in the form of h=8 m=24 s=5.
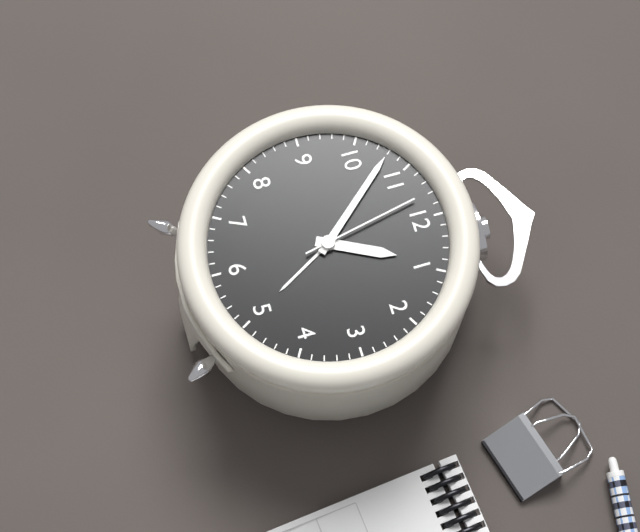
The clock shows h=12 m=53 s=58
